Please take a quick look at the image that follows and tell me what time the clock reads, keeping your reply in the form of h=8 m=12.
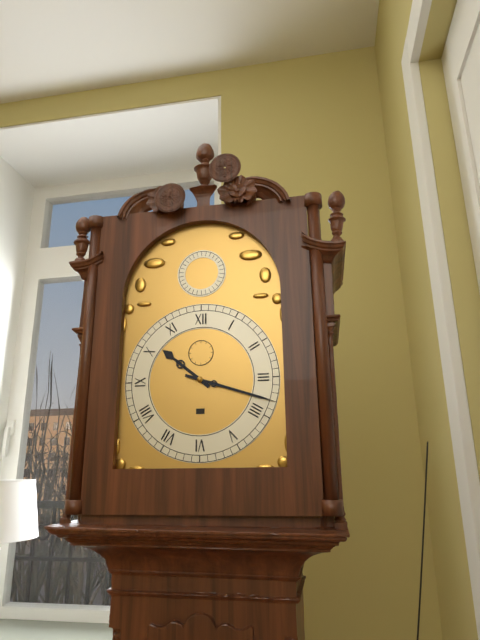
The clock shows h=10 m=18
